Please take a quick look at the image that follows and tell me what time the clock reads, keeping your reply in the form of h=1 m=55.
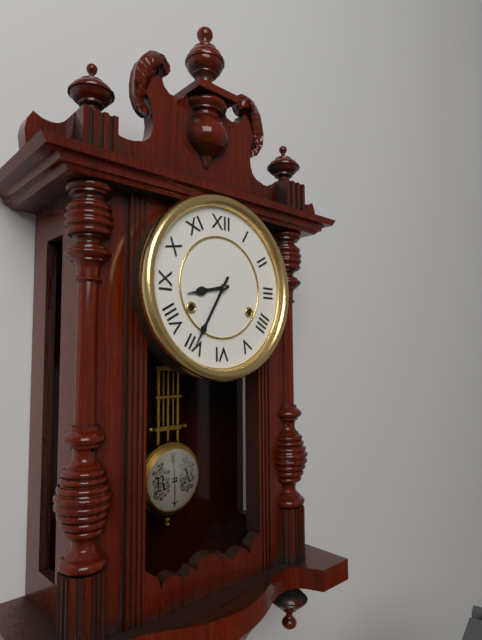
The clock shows h=8 m=35
